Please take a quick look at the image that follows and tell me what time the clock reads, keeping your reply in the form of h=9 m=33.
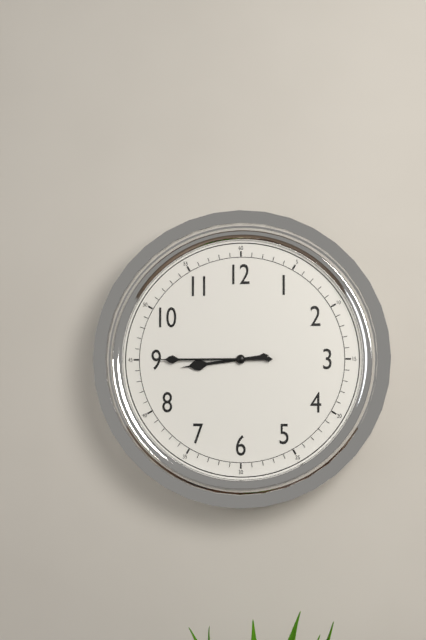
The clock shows h=8 m=45
